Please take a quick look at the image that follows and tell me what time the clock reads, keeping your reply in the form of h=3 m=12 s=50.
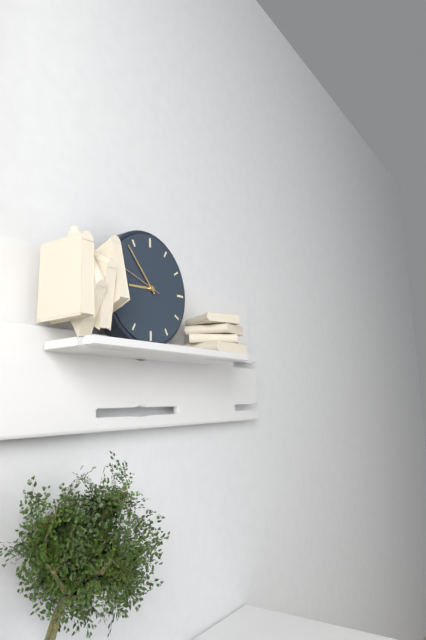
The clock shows h=8 m=53 s=48
